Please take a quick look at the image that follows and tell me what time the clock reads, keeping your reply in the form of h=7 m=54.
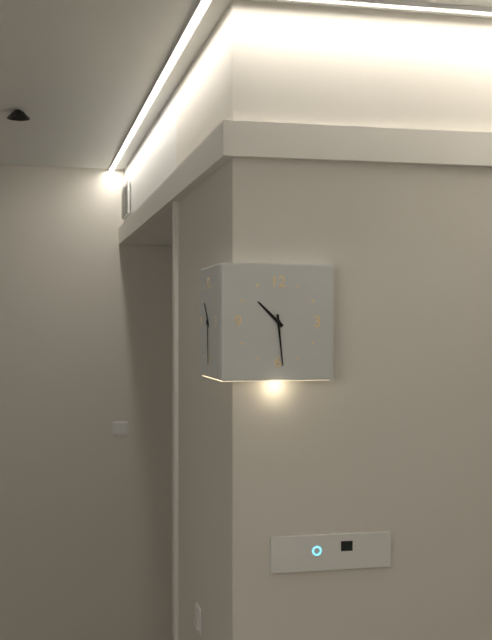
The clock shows h=10 m=29
